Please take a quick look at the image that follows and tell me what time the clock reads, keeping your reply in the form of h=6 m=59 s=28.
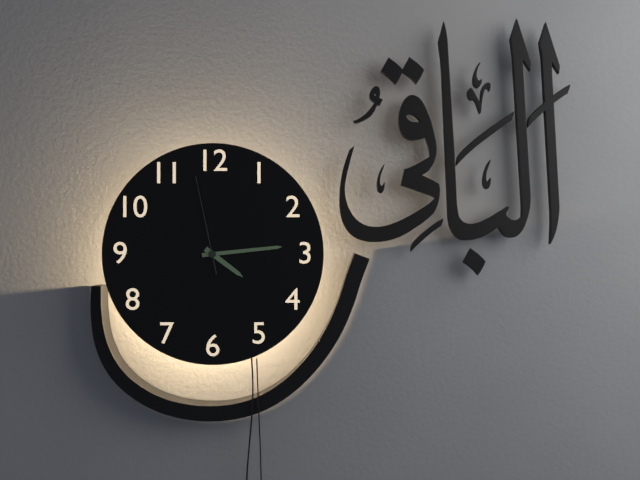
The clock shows h=4 m=14 s=58
